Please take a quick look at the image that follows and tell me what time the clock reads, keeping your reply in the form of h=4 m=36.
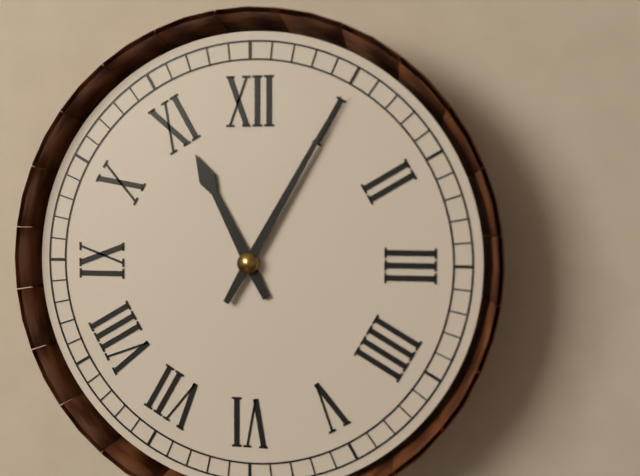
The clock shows h=11 m=5
